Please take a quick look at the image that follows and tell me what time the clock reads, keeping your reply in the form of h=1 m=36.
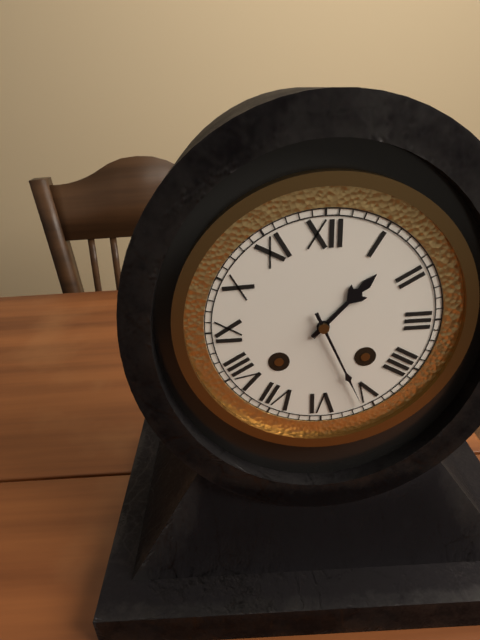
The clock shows h=1 m=26
